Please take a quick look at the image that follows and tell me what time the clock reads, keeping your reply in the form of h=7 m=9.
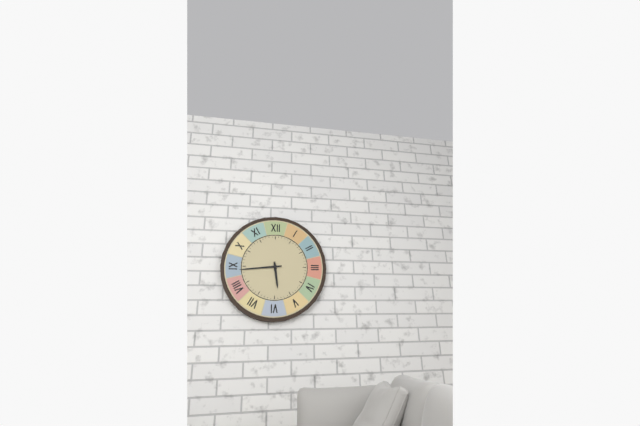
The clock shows h=5 m=44
